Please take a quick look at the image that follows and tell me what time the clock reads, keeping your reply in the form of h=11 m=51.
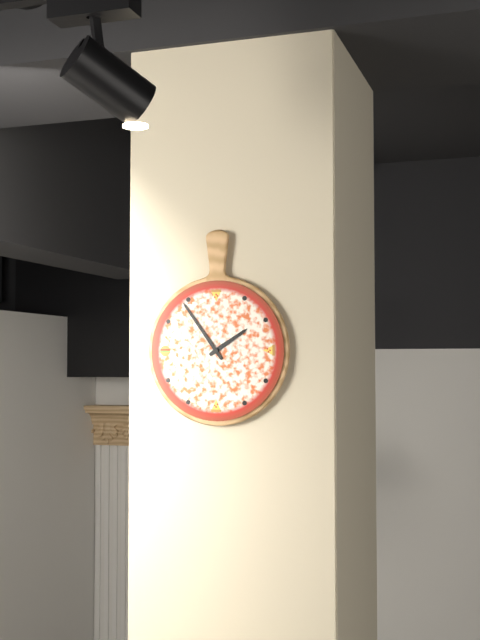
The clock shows h=1 m=54
